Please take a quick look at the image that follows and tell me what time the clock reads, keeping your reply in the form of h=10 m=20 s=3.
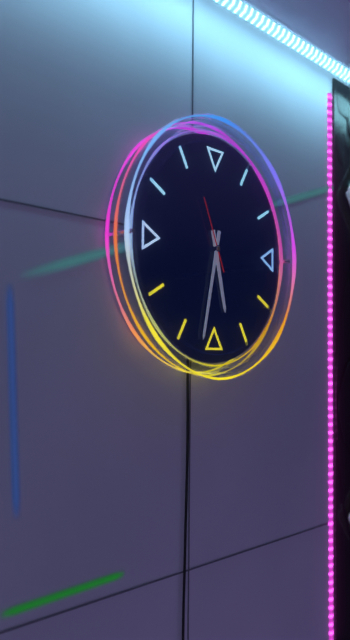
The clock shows h=5 m=32 s=56
